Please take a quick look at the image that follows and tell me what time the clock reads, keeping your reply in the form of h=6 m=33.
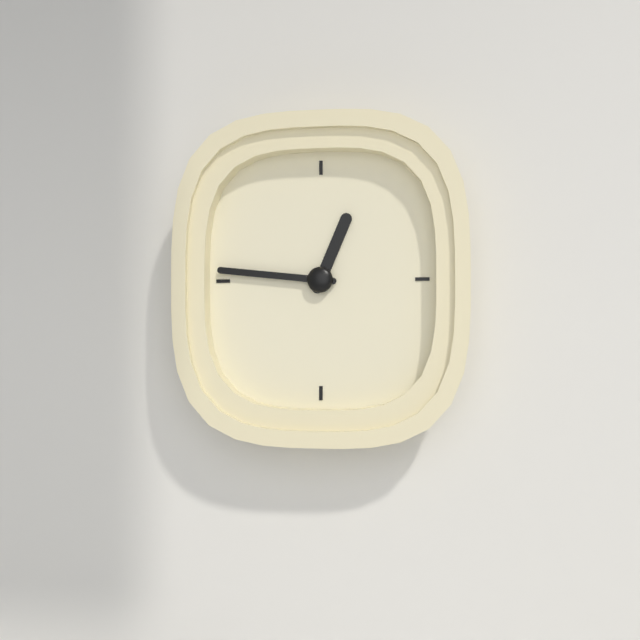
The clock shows h=12 m=46
